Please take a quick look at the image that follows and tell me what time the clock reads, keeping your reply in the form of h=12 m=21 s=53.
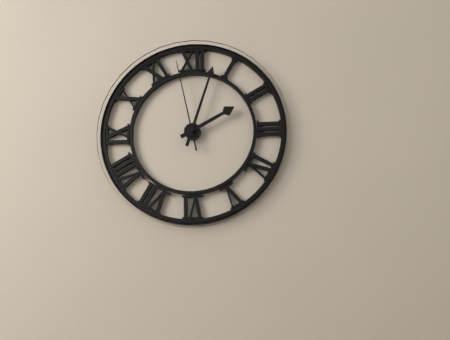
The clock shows h=2 m=3 s=58
